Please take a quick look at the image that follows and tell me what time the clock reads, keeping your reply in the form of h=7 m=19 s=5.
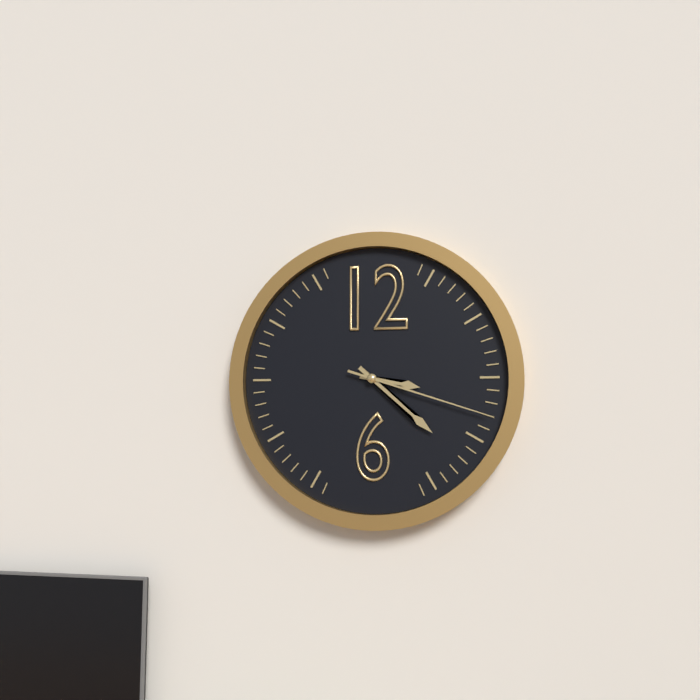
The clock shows h=3 m=22 s=18
